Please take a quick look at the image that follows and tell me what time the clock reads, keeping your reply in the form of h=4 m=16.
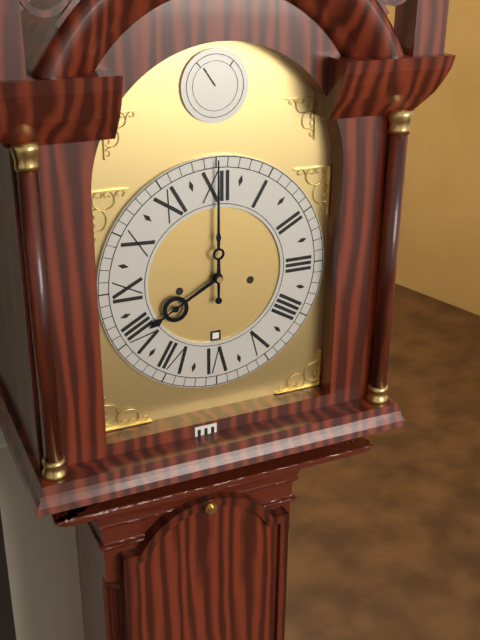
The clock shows h=8 m=0
